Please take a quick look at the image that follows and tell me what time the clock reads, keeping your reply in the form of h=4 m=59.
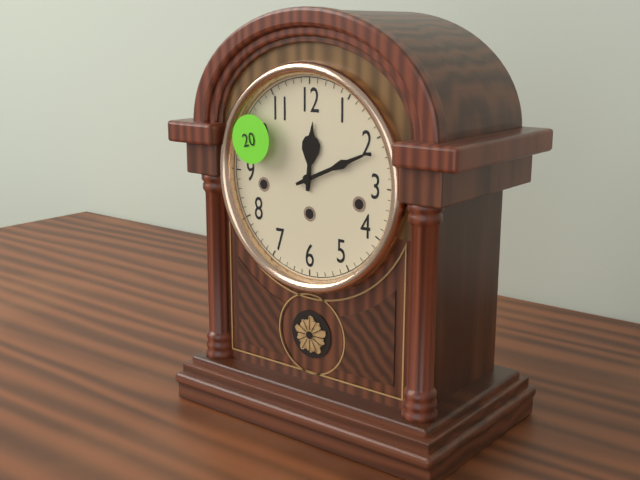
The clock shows h=12 m=11
